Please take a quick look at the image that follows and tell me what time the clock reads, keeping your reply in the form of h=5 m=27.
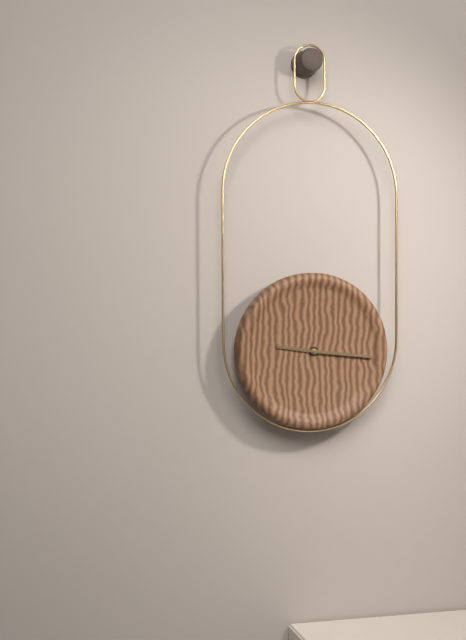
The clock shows h=9 m=16
